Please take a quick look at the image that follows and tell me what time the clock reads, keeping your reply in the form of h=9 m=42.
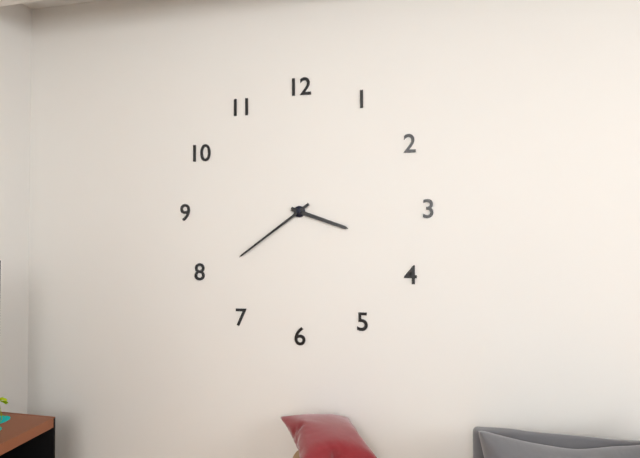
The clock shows h=3 m=39
